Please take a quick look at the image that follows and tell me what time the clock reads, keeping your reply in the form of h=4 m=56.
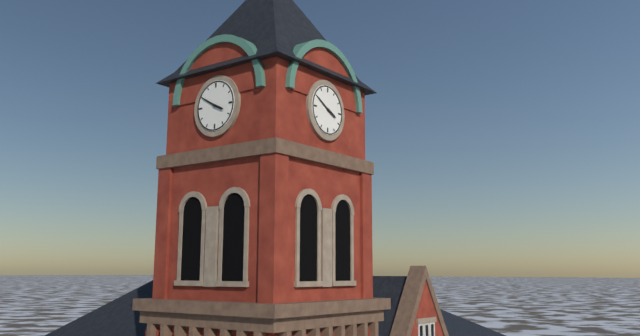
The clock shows h=3 m=50
